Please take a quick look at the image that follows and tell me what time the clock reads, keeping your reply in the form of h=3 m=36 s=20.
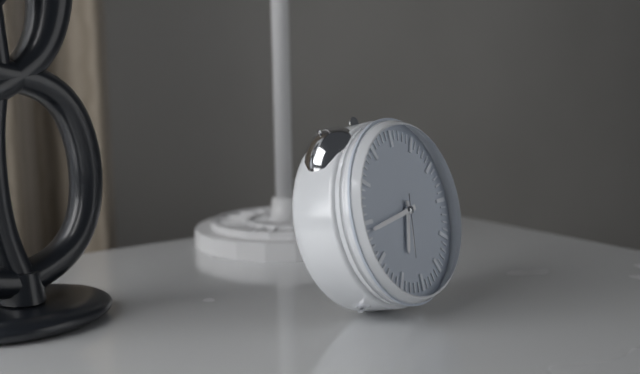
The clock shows h=6 m=44 s=32
